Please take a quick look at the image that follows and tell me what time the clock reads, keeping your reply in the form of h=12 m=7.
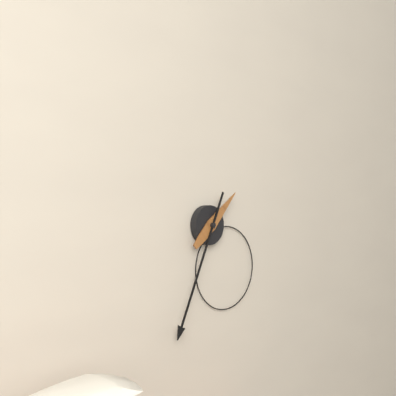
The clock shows h=1 m=34
